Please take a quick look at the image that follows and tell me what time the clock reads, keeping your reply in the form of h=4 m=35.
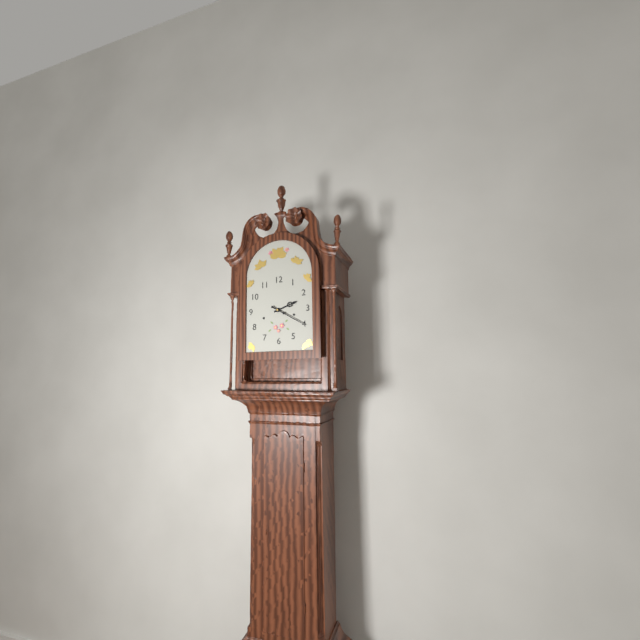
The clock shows h=2 m=20
